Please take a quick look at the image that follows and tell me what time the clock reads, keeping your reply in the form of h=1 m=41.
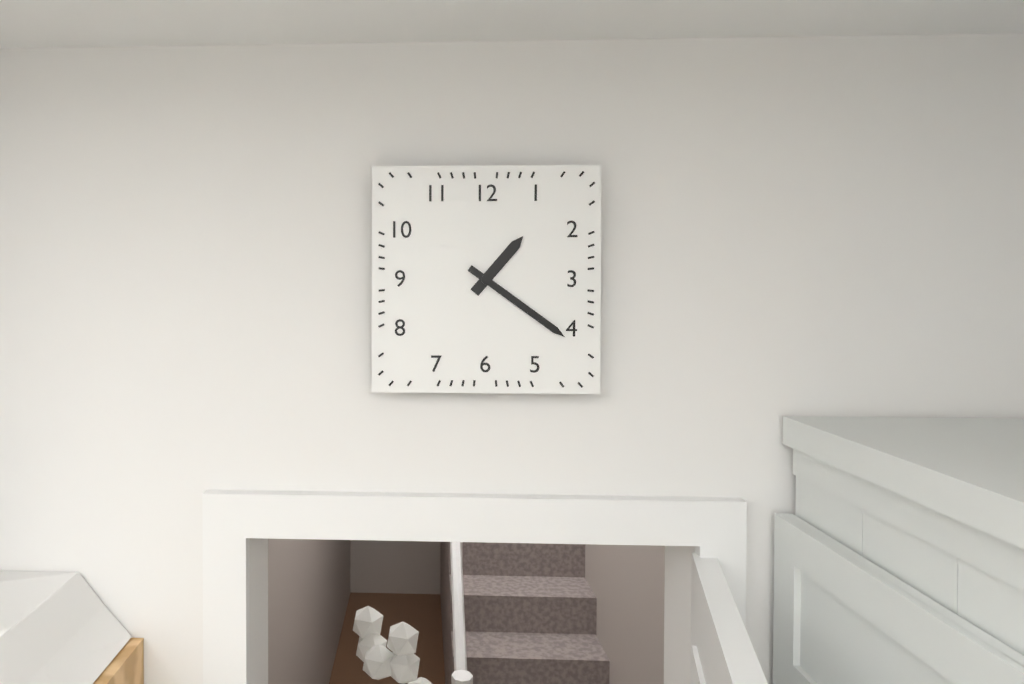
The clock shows h=1 m=21
